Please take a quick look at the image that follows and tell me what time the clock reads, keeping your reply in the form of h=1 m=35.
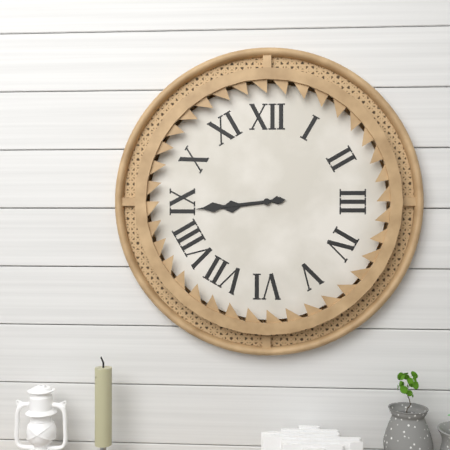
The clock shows h=8 m=44
